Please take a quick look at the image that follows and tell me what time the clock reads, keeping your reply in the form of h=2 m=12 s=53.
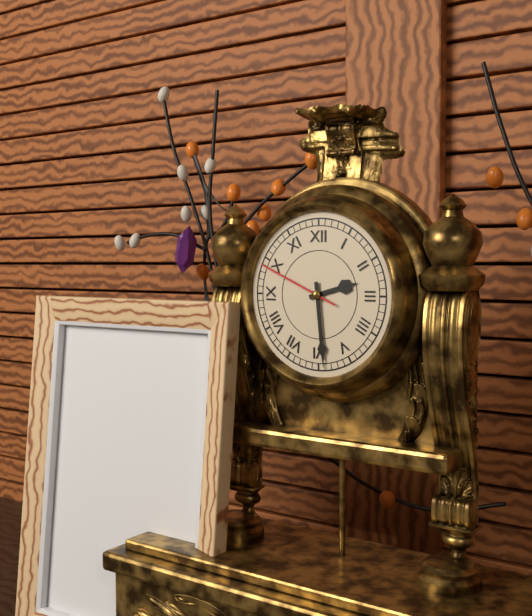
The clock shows h=2 m=29 s=49
